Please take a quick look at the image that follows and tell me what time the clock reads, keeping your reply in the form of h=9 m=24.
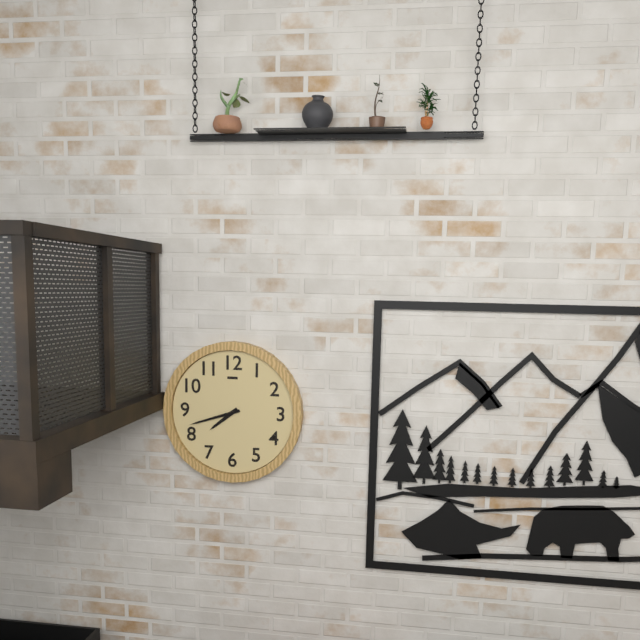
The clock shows h=7 m=42
